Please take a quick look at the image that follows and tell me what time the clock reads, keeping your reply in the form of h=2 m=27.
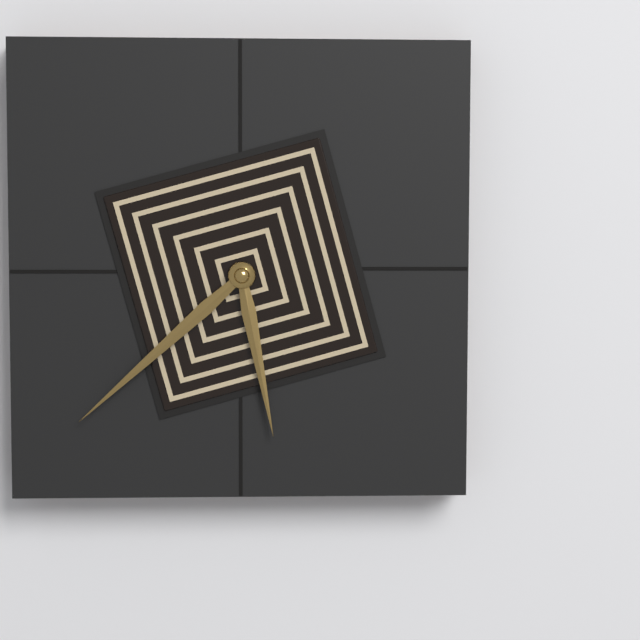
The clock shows h=5 m=38
